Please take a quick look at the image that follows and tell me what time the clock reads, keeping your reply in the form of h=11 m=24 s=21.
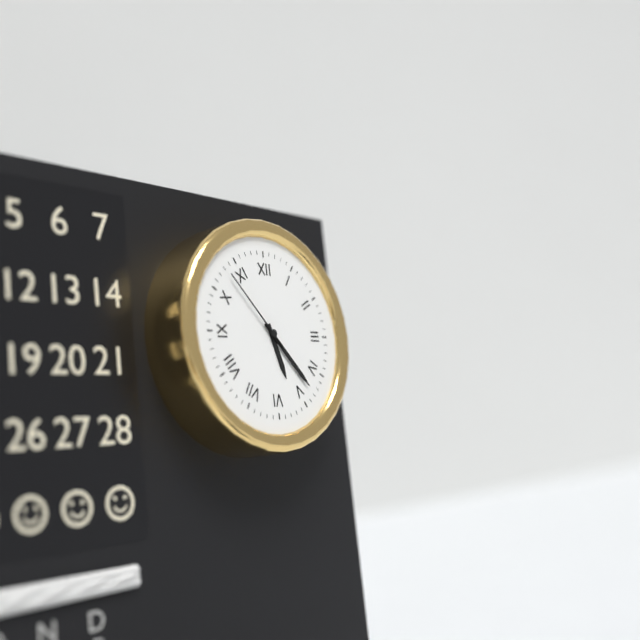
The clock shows h=5 m=23 s=53
